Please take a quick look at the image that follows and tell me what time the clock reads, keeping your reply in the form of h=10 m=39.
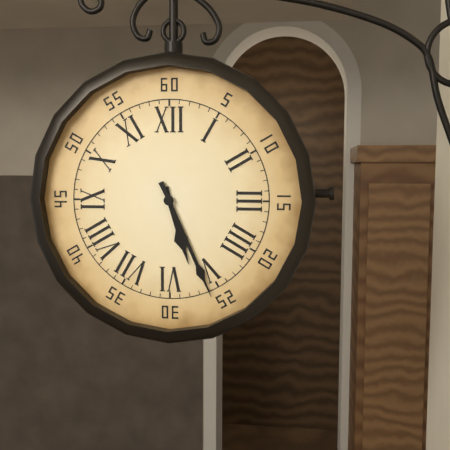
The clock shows h=5 m=26
